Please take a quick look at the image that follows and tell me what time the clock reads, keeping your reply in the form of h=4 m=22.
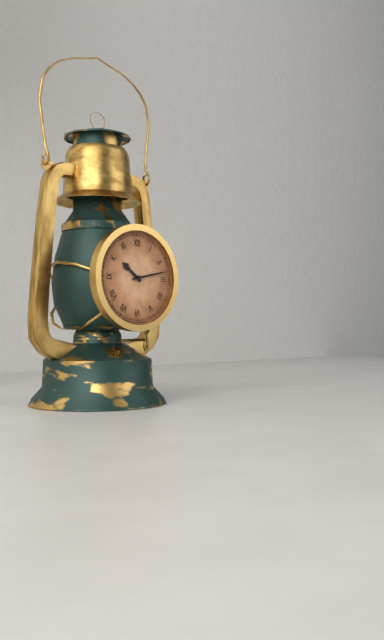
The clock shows h=10 m=13
